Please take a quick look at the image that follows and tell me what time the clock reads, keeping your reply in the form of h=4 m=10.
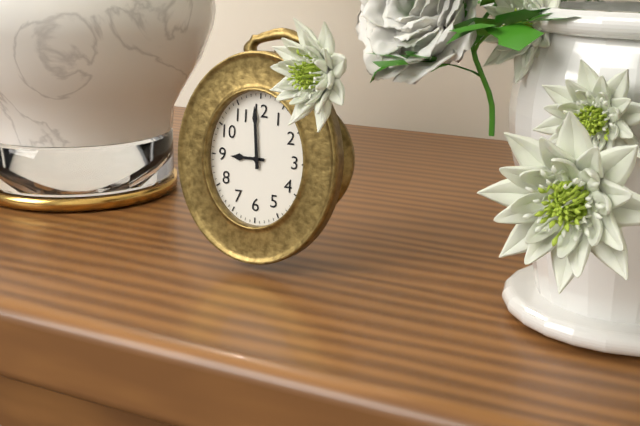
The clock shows h=8 m=59
